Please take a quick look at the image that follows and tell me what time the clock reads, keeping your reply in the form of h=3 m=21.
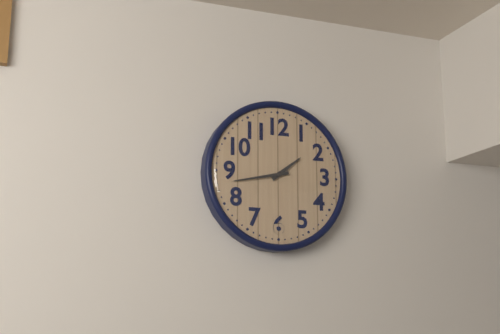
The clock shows h=1 m=43
